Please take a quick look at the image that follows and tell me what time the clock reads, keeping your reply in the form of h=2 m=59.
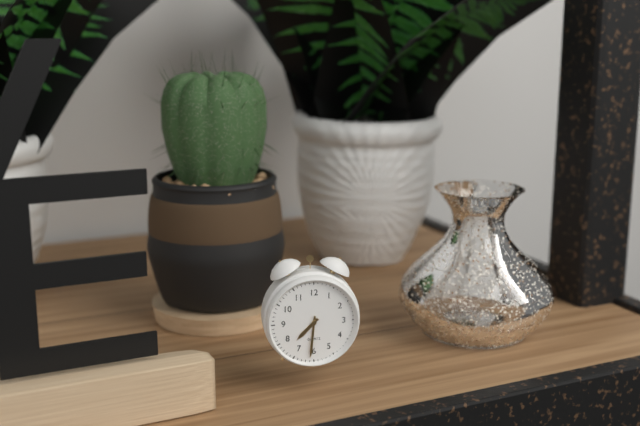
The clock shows h=7 m=31
